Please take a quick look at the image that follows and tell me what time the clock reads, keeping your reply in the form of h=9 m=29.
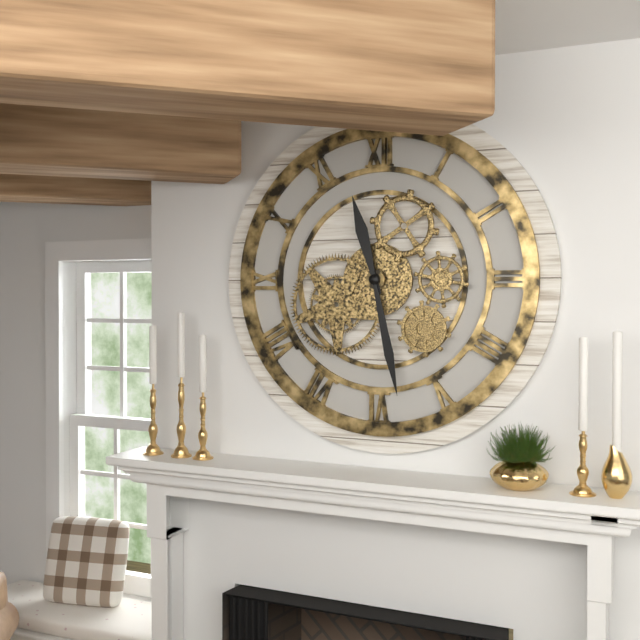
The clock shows h=11 m=28
